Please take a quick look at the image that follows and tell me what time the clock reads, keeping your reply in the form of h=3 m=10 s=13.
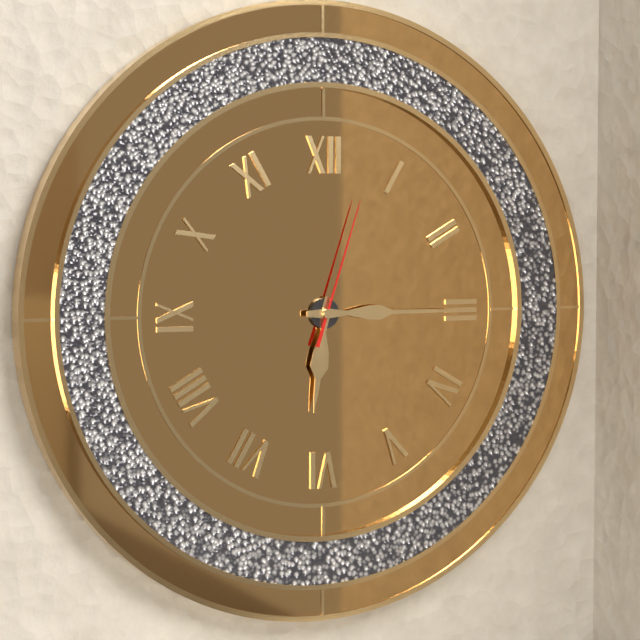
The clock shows h=6 m=15 s=3
